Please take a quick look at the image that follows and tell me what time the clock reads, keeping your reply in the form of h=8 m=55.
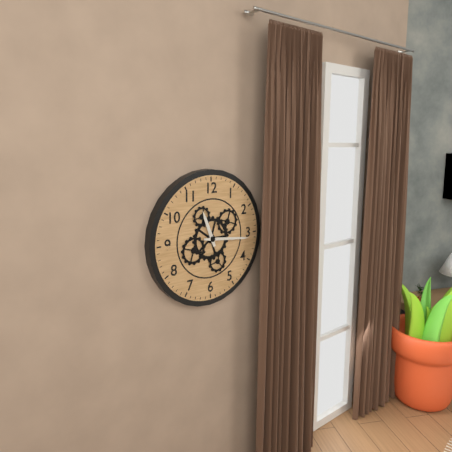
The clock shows h=11 m=16
